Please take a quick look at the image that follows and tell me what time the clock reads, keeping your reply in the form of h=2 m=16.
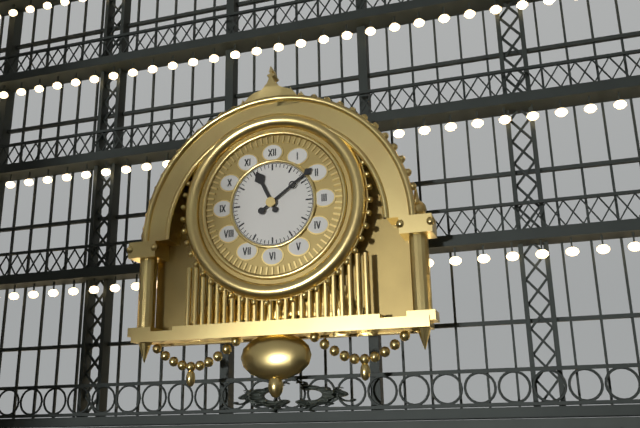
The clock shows h=11 m=9
